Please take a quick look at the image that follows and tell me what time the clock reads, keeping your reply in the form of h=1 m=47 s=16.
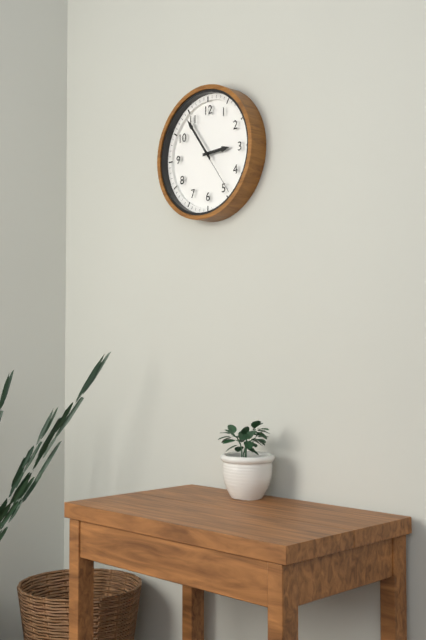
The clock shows h=2 m=54 s=24
